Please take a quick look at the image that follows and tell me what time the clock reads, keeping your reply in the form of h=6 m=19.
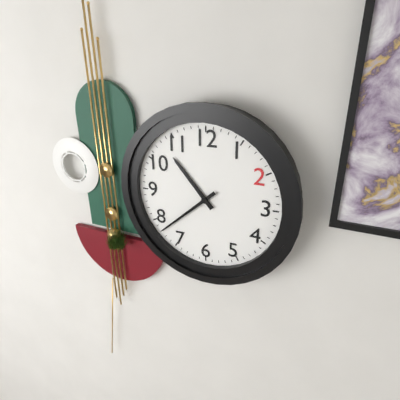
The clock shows h=10 m=38
